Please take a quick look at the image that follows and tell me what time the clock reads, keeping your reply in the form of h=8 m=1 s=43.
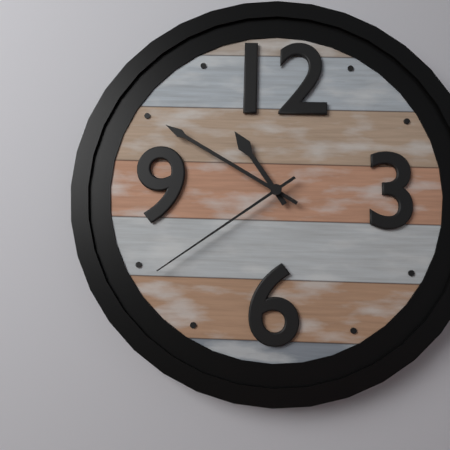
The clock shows h=10 m=50 s=39
